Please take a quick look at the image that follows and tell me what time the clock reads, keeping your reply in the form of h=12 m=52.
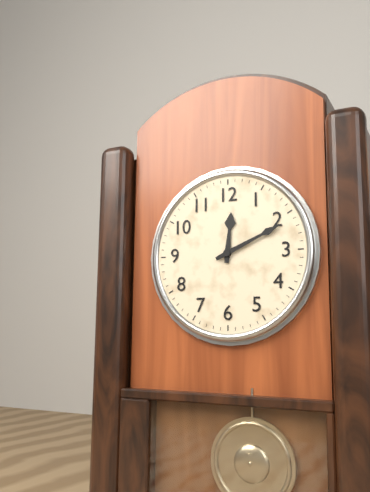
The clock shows h=12 m=11
